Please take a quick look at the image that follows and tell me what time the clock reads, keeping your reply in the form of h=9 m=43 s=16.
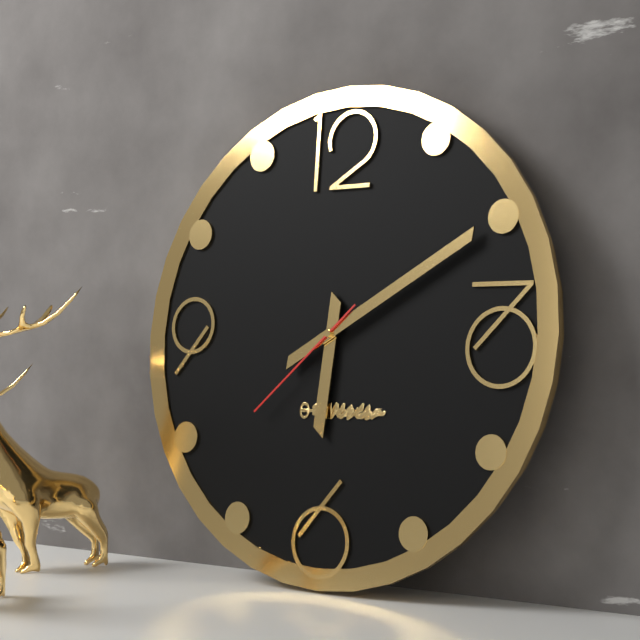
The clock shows h=6 m=10 s=38
